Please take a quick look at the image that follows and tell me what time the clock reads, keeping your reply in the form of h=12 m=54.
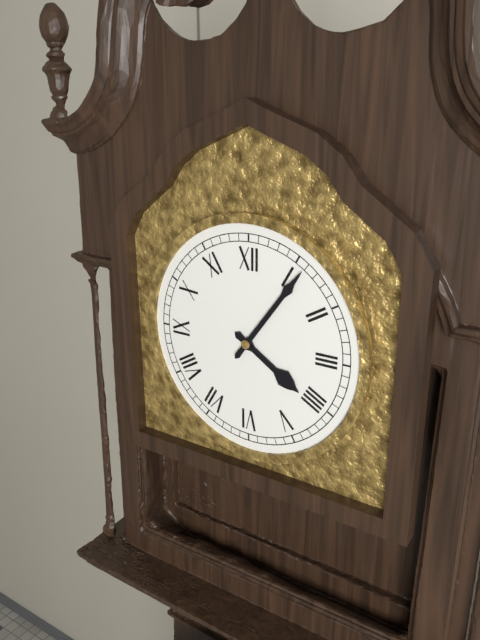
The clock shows h=4 m=6
